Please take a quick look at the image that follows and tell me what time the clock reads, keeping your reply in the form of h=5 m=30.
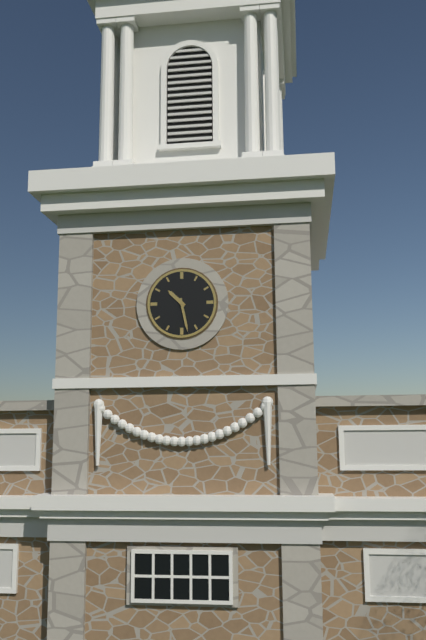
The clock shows h=10 m=28
